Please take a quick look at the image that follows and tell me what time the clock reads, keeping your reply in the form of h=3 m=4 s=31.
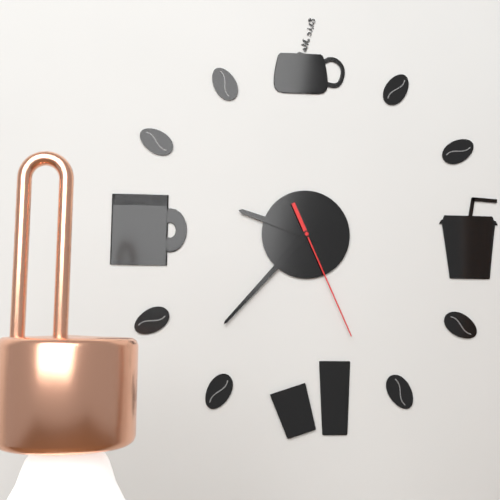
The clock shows h=9 m=37 s=26
